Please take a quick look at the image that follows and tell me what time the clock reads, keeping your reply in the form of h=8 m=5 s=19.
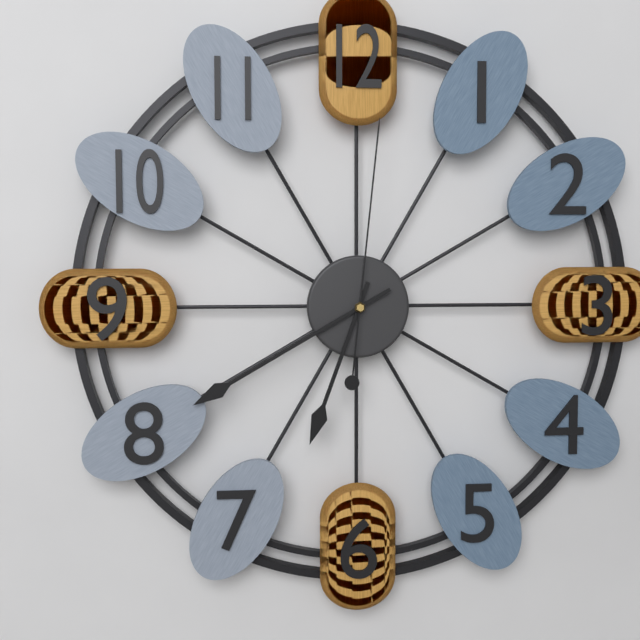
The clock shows h=6 m=40 s=1
